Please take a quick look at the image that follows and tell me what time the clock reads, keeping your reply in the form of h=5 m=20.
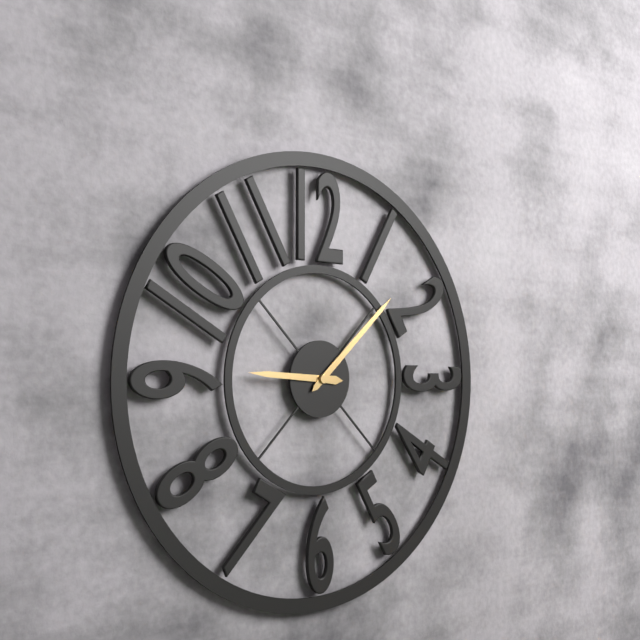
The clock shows h=9 m=8
